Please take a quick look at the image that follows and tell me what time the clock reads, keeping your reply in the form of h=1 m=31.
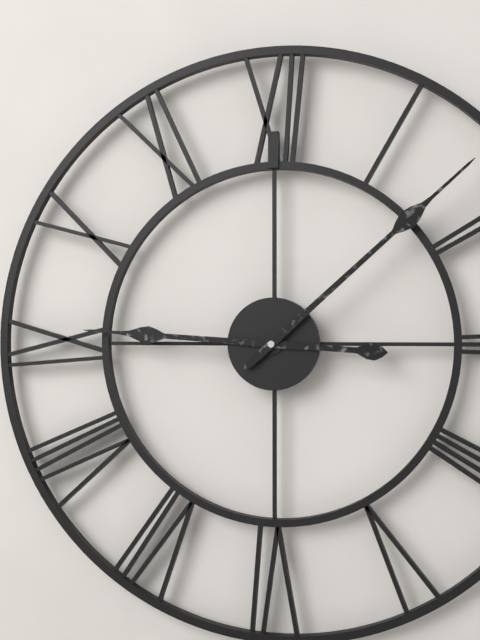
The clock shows h=9 m=8
